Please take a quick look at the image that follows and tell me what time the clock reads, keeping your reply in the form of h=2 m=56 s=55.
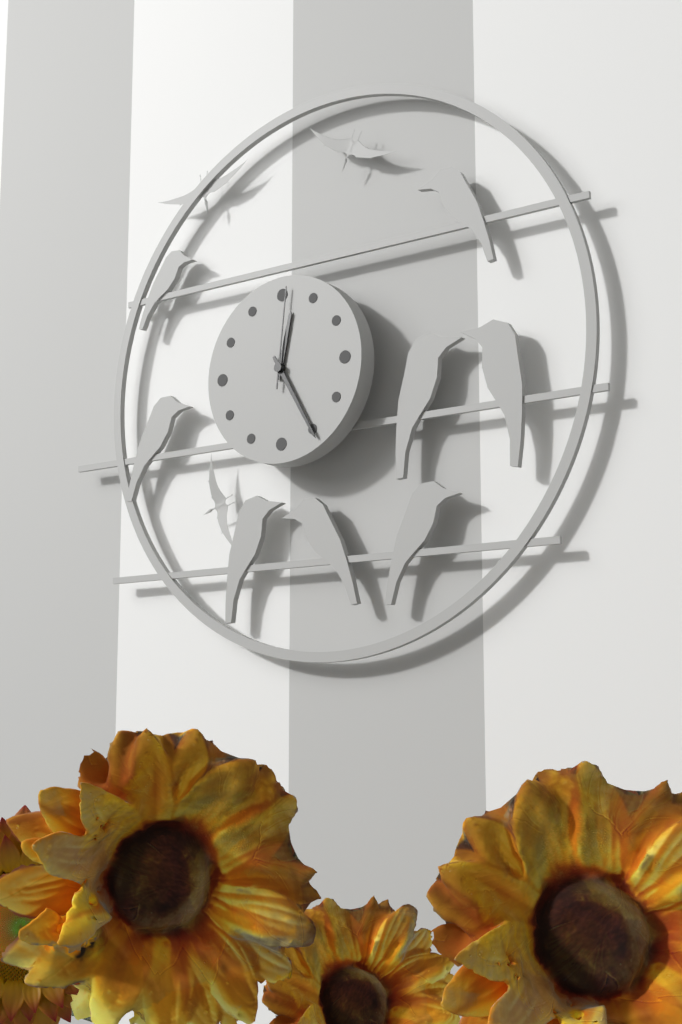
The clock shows h=12 m=25 s=1
